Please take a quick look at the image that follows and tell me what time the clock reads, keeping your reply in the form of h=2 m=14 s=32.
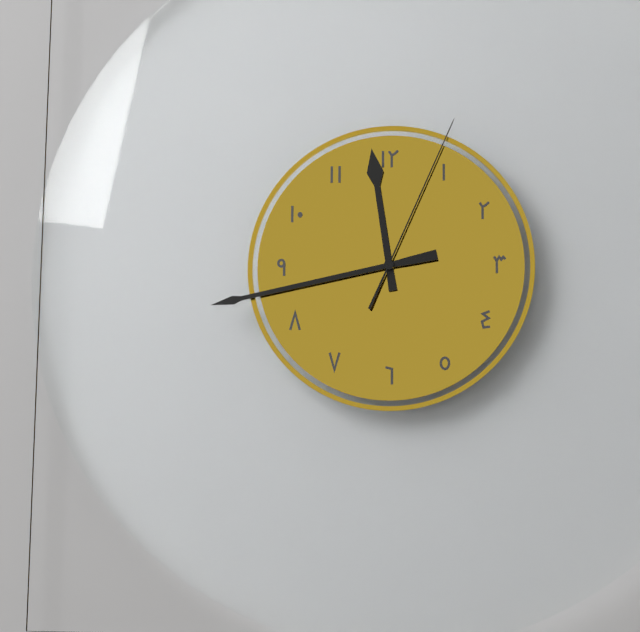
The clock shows h=11 m=43 s=4
